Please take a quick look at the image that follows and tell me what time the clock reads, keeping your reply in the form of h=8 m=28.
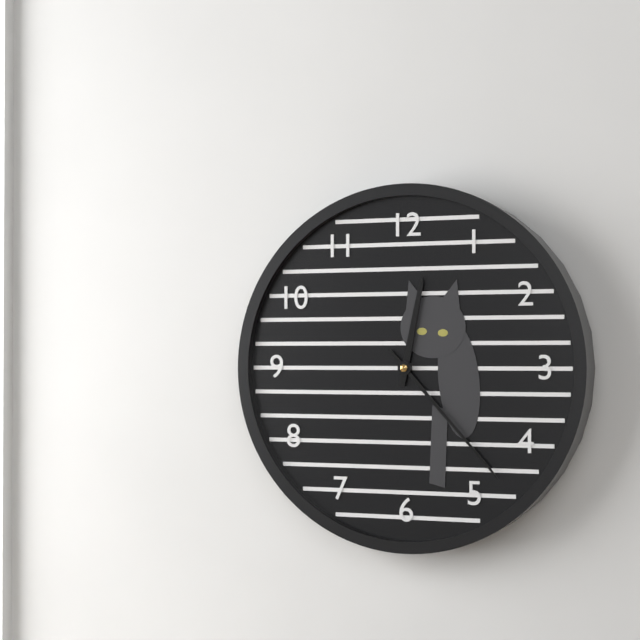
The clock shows h=12 m=23
